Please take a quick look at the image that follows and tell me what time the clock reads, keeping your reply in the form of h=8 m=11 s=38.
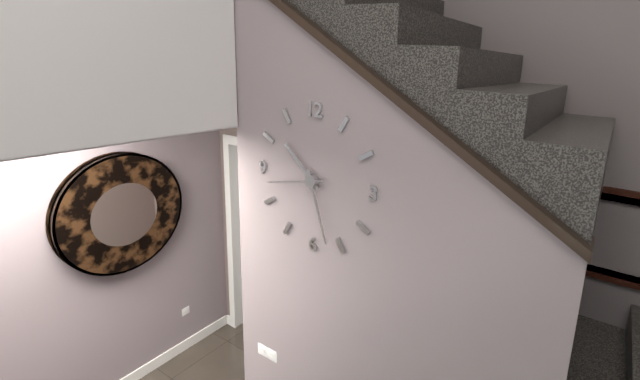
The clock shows h=10 m=27 s=43
